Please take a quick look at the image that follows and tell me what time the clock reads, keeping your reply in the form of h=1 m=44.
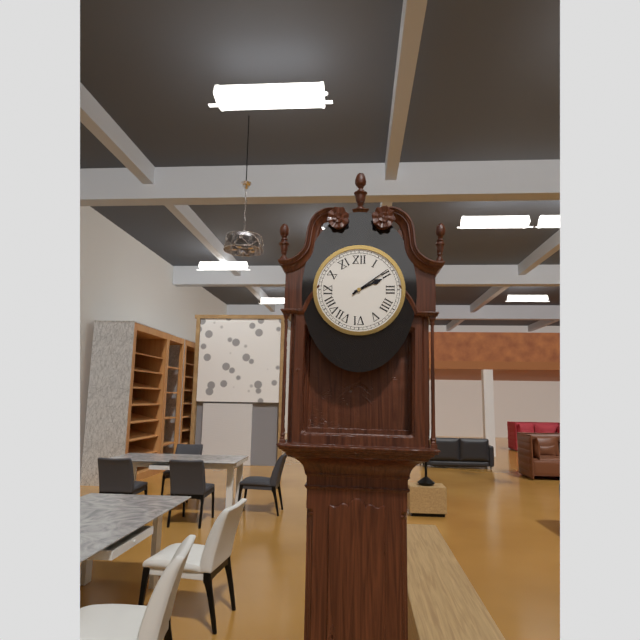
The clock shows h=2 m=9
